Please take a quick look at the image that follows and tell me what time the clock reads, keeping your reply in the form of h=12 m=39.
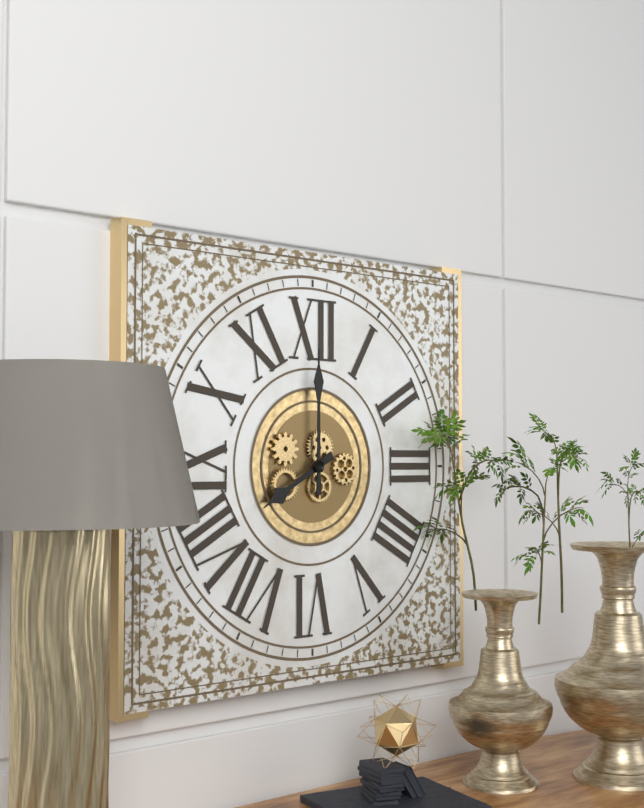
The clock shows h=8 m=0
